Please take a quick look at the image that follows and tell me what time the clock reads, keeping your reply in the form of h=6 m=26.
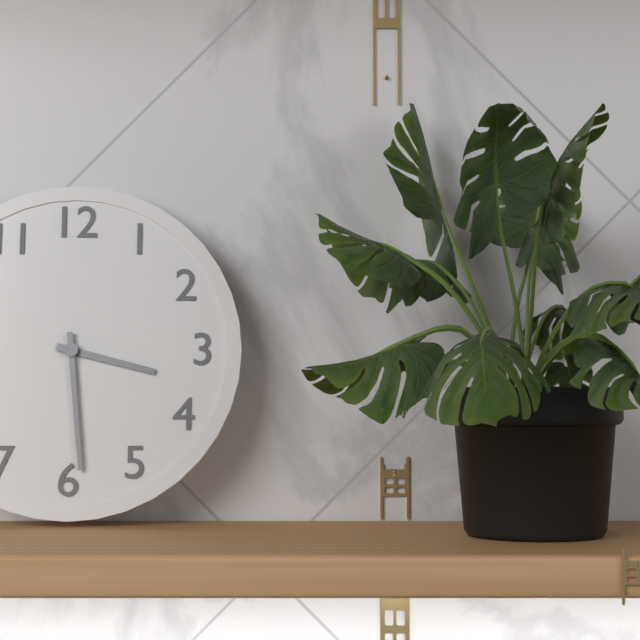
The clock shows h=3 m=29
